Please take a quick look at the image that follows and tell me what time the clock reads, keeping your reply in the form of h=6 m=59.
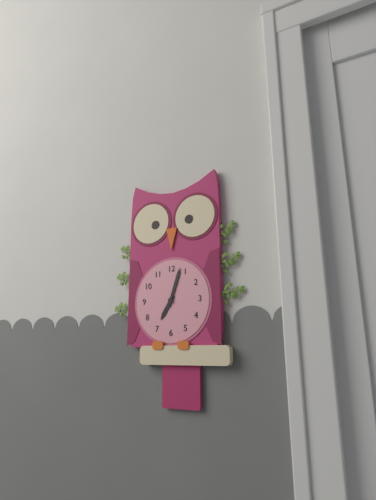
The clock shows h=7 m=3
